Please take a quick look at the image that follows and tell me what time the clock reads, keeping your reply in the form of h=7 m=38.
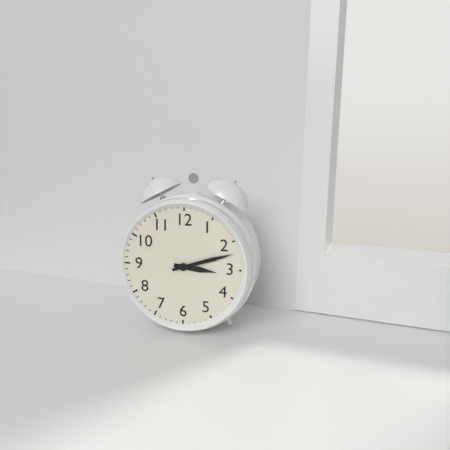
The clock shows h=3 m=12
